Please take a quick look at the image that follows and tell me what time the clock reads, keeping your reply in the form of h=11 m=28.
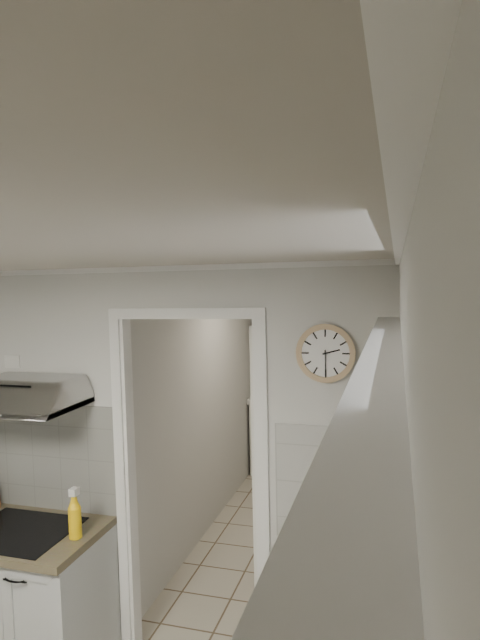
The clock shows h=2 m=30
